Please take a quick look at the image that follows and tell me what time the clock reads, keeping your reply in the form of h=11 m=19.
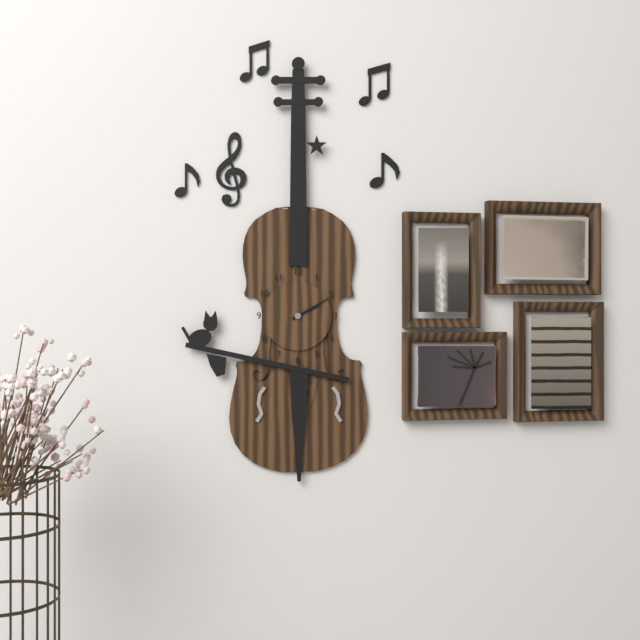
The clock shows h=2 m=10
